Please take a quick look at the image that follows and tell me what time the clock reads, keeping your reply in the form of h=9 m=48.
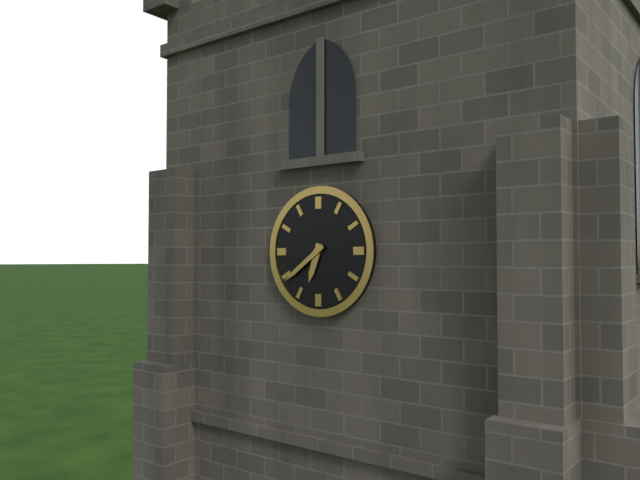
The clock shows h=6 m=39
